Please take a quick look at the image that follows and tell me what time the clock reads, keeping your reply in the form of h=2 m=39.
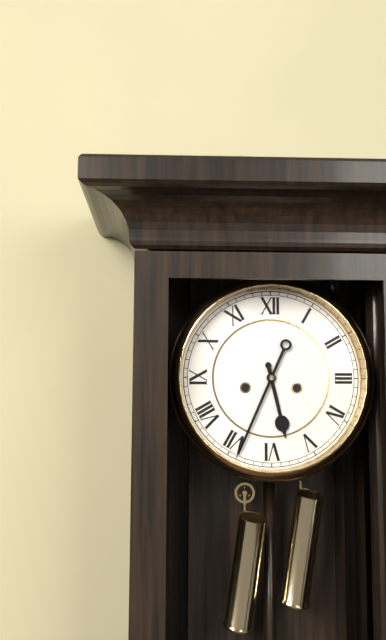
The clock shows h=5 m=34
